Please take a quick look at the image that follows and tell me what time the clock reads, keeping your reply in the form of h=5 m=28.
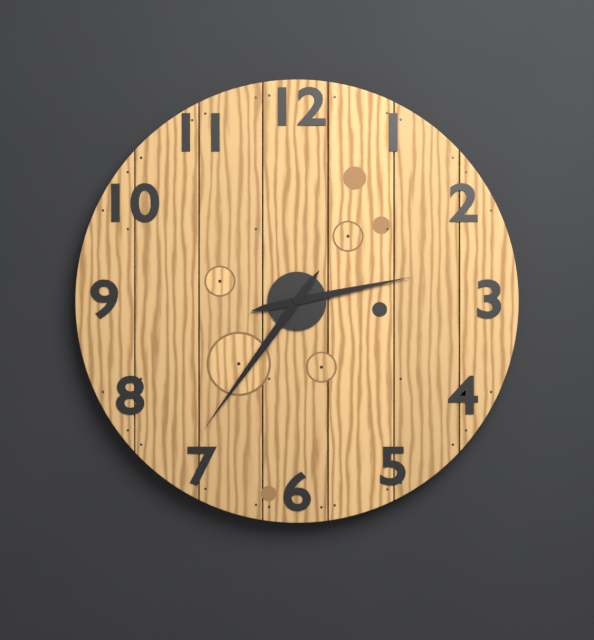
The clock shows h=2 m=36
